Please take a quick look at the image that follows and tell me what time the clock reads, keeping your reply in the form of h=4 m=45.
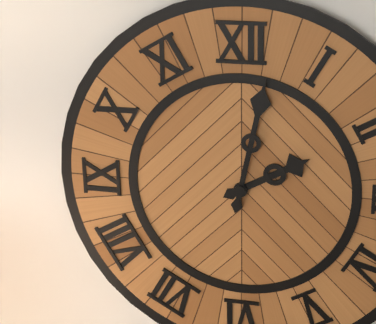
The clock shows h=2 m=2
